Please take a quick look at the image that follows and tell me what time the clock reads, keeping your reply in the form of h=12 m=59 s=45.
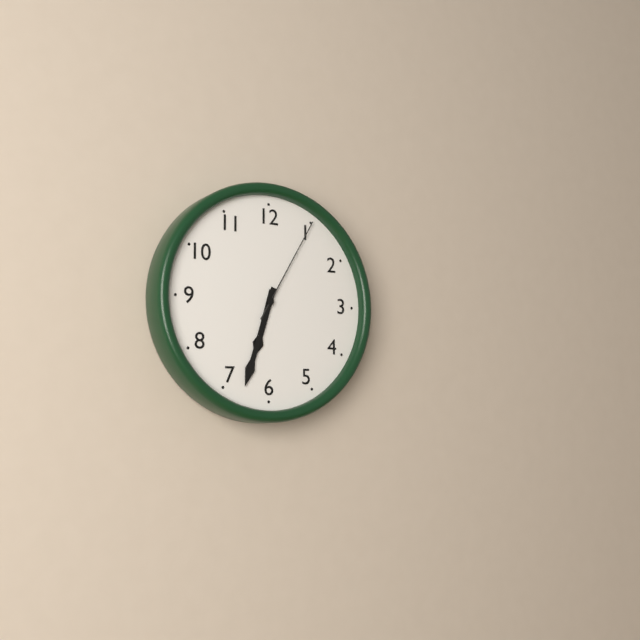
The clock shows h=6 m=33 s=5
